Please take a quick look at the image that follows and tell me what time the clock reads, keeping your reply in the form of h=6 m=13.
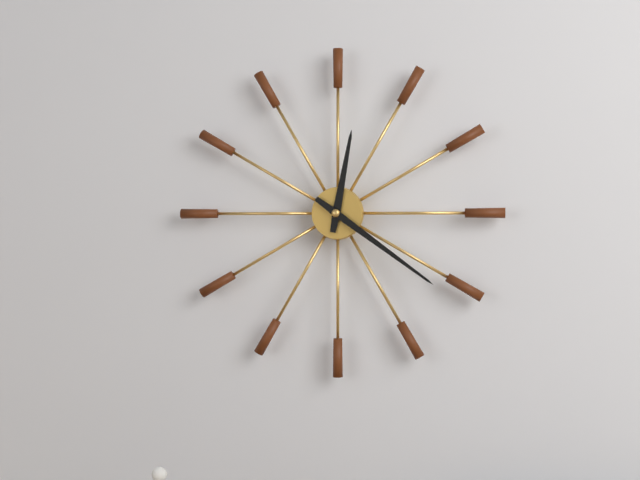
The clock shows h=12 m=21
